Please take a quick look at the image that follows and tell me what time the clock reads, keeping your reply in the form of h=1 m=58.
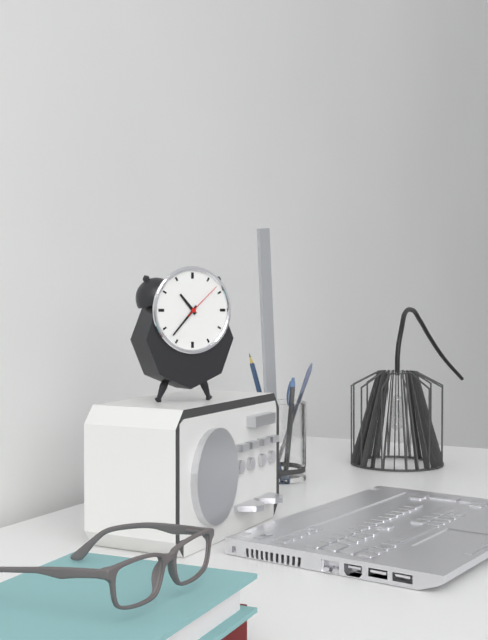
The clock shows h=10 m=37
